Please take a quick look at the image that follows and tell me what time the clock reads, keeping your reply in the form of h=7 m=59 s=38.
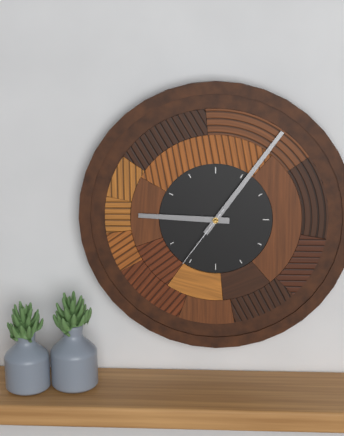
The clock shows h=9 m=6 s=36
